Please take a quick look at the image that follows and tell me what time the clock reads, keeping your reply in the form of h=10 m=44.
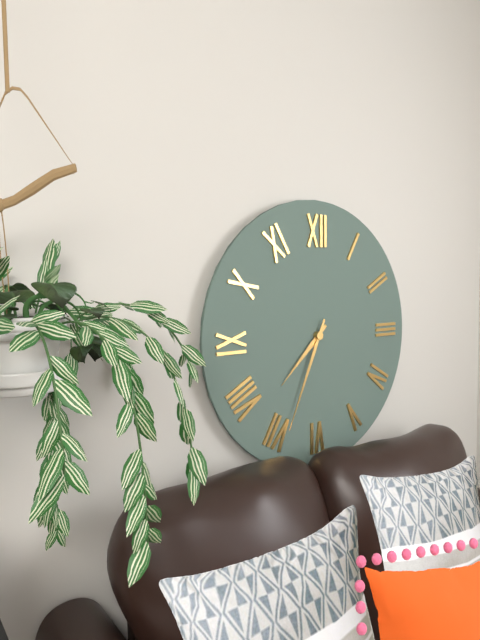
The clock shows h=7 m=34
